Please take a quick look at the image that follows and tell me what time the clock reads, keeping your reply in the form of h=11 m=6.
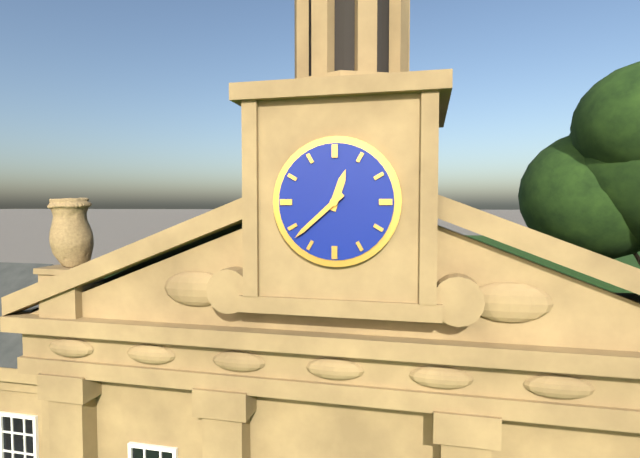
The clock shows h=12 m=38
